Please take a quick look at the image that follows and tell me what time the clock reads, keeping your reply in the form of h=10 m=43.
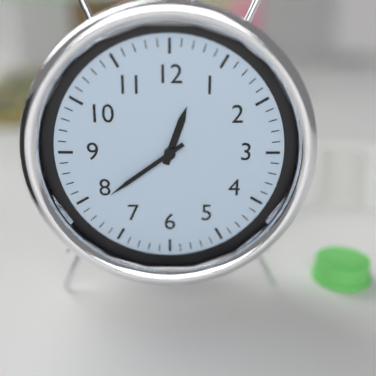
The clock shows h=12 m=39
